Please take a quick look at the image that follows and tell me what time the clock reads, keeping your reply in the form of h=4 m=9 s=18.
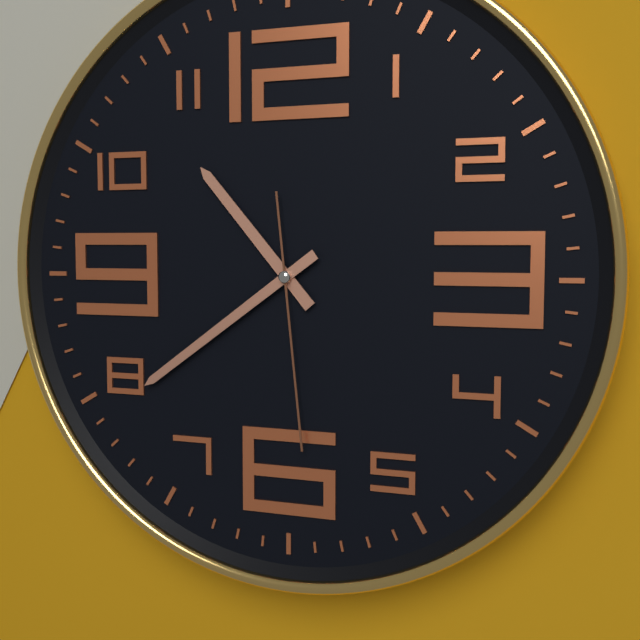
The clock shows h=10 m=39 s=29
